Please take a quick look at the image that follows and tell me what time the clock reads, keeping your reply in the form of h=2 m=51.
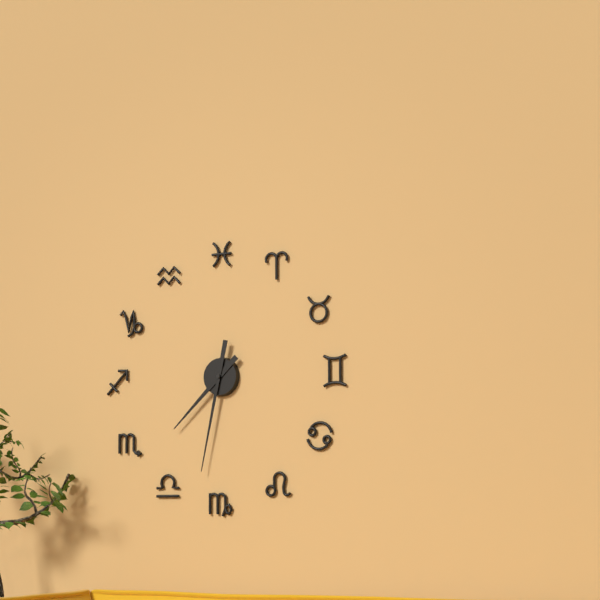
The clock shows h=7 m=32
